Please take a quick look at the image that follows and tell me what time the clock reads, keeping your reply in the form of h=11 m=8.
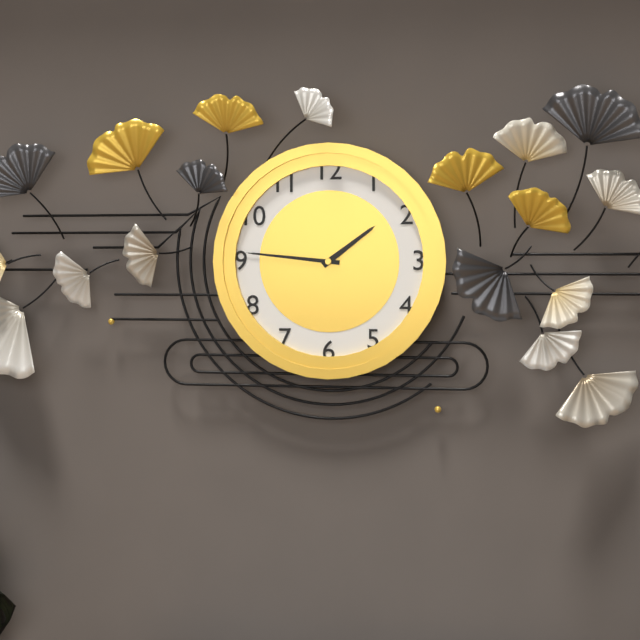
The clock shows h=1 m=46
